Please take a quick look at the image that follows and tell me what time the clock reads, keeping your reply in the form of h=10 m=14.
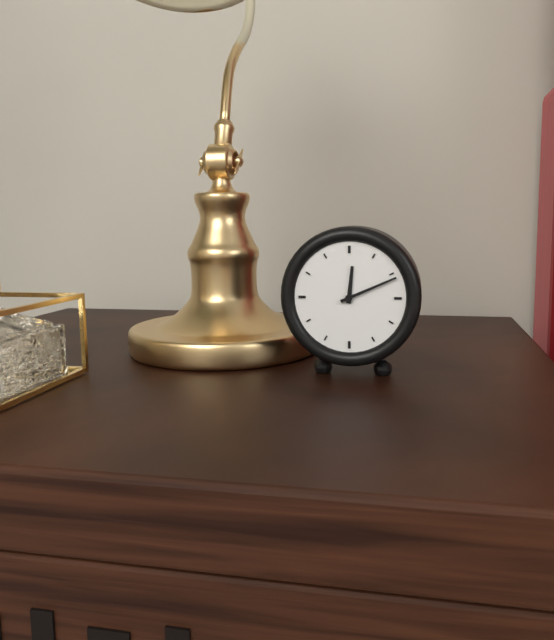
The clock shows h=12 m=11
